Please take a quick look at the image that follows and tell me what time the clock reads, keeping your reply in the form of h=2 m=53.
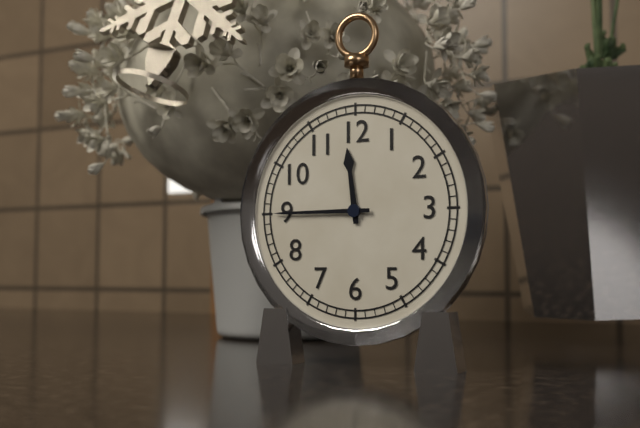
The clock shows h=11 m=45
